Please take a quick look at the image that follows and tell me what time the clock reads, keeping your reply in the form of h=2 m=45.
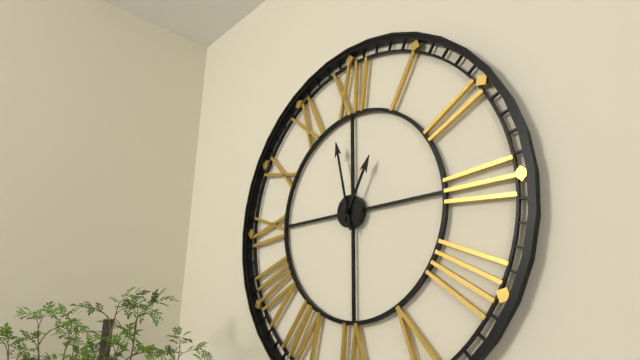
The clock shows h=12 m=58
